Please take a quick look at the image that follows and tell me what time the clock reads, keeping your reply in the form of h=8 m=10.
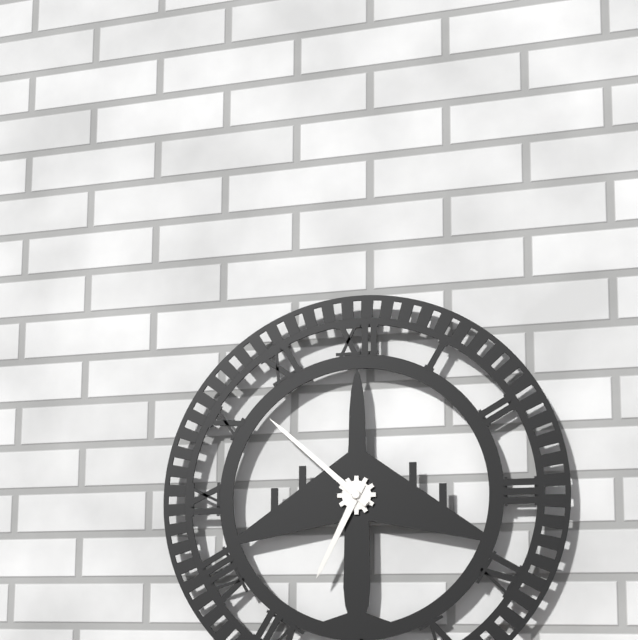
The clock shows h=6 m=52
